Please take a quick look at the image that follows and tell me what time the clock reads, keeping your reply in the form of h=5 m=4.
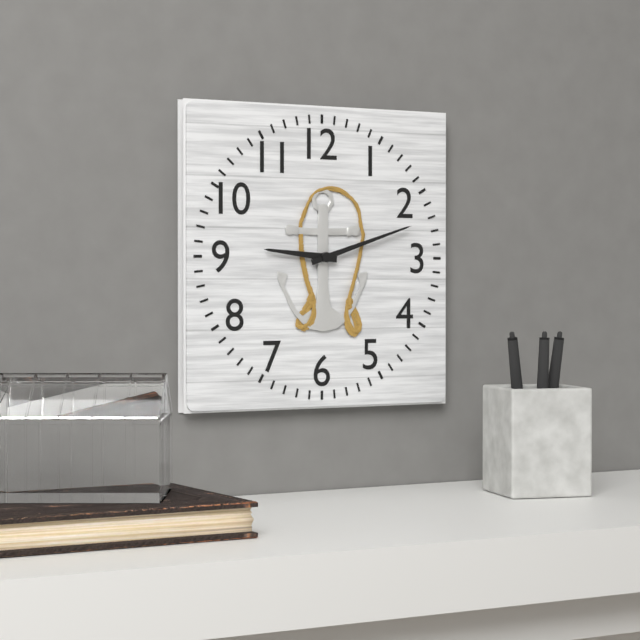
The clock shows h=9 m=12
